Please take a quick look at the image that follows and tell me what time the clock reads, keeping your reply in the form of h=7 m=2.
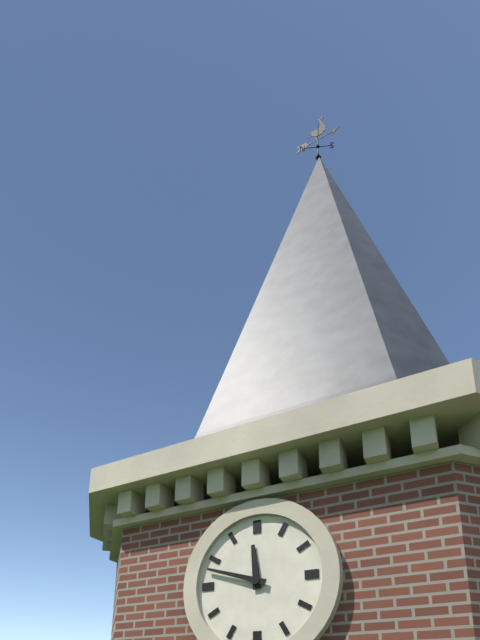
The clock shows h=11 m=48
